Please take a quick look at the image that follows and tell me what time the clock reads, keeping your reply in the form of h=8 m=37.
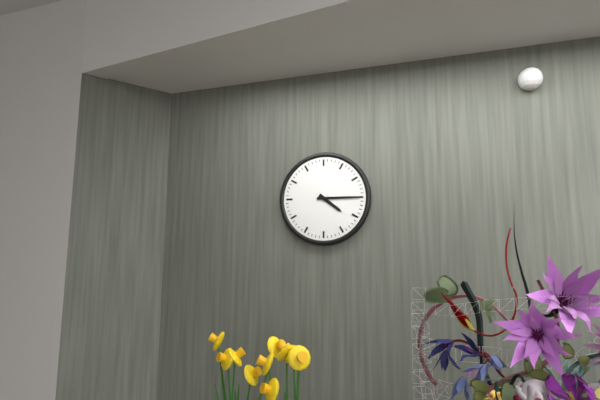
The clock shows h=4 m=15
